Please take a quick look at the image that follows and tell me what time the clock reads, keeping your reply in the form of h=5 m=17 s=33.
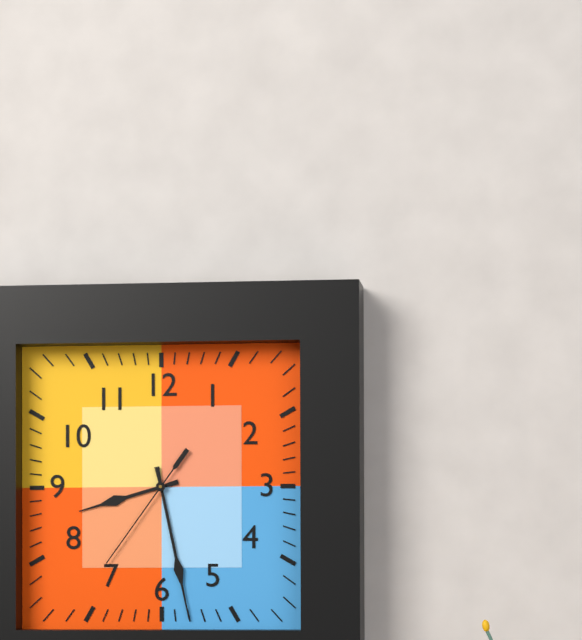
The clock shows h=8 m=28 s=36
